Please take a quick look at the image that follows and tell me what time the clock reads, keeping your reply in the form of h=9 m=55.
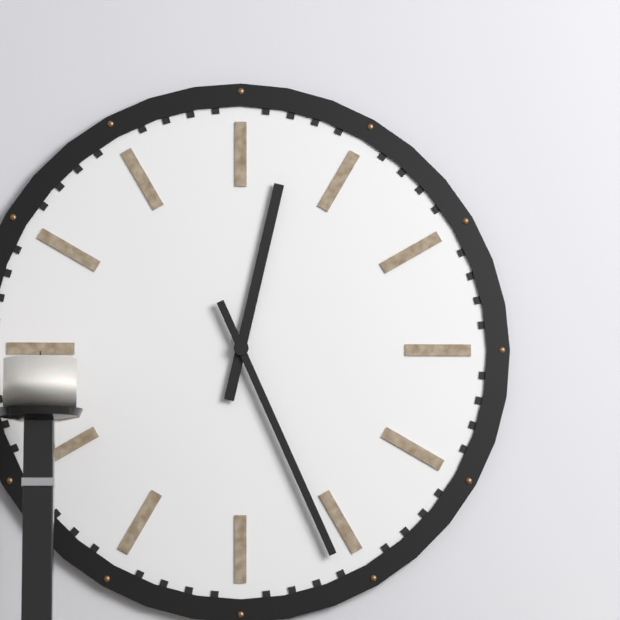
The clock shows h=12 m=26
